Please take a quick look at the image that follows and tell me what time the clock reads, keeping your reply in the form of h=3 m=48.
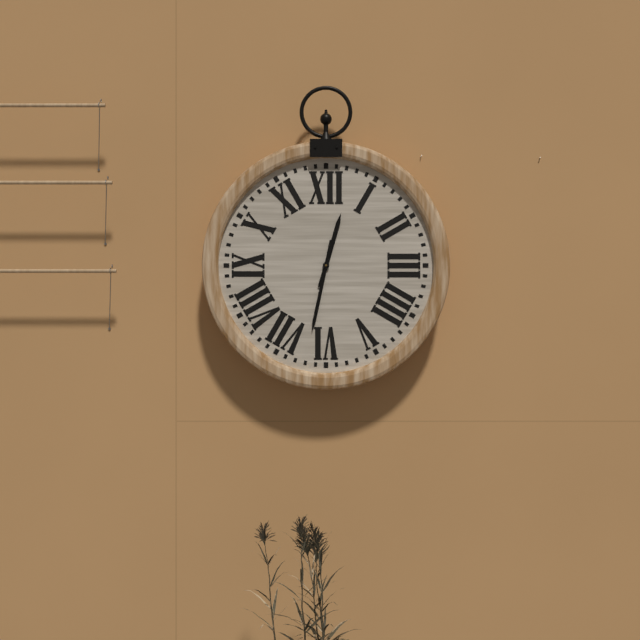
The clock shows h=12 m=32
